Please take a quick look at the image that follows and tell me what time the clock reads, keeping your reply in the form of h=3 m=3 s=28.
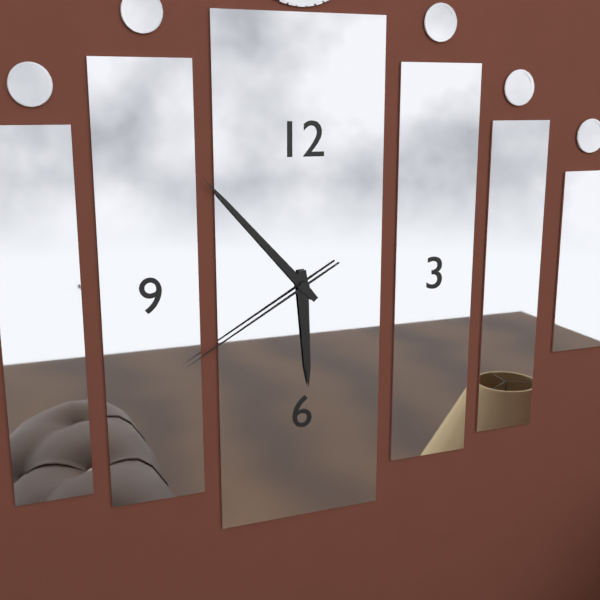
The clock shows h=5 m=53 s=40
